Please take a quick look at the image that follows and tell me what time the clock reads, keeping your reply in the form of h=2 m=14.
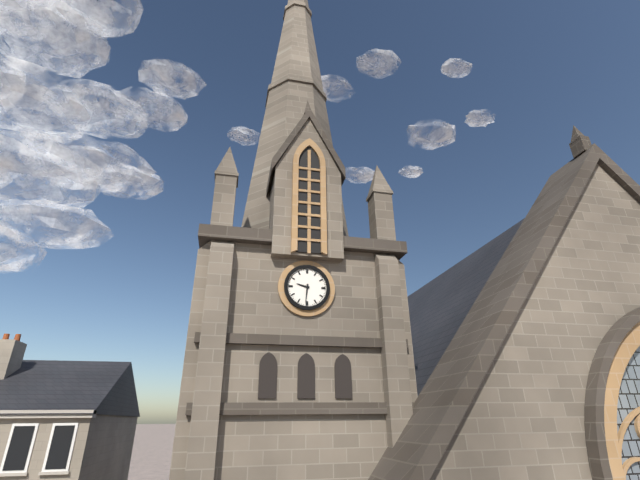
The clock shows h=9 m=31
